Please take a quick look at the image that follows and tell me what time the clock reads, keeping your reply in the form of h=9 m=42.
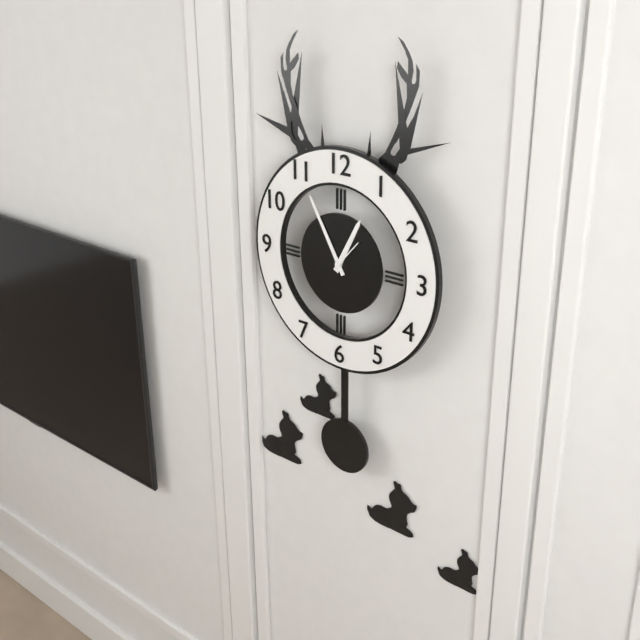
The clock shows h=12 m=55
